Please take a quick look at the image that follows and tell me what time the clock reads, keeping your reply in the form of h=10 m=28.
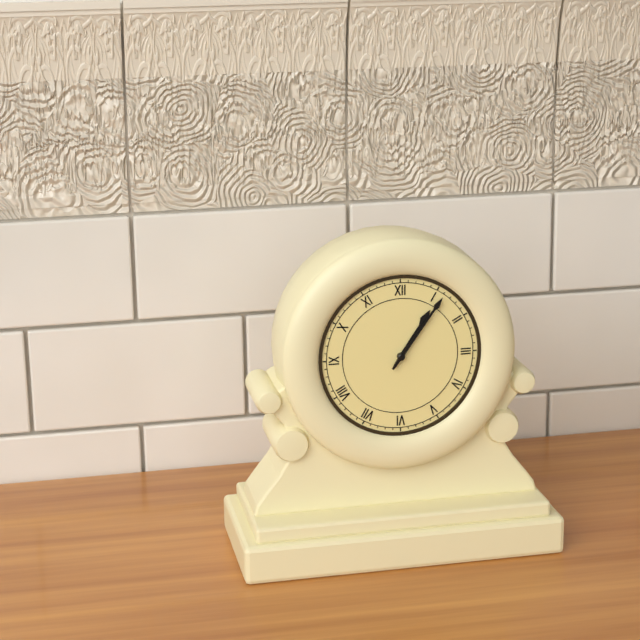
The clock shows h=1 m=6
